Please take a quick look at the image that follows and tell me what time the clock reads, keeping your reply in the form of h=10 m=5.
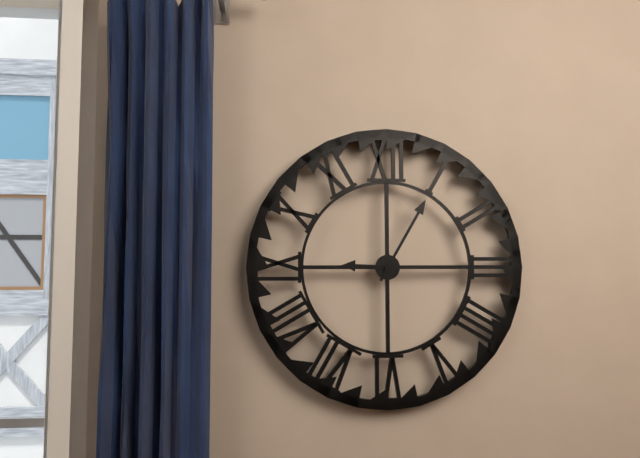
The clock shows h=9 m=5
